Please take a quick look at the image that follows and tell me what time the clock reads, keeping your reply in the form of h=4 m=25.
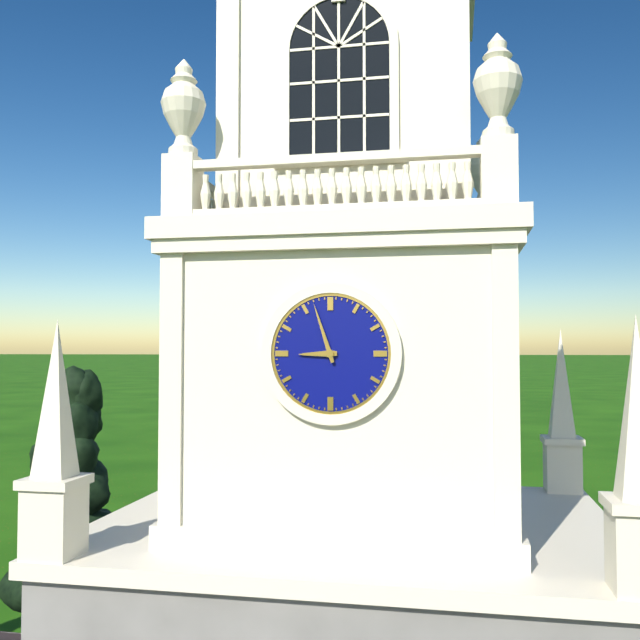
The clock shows h=8 m=57
